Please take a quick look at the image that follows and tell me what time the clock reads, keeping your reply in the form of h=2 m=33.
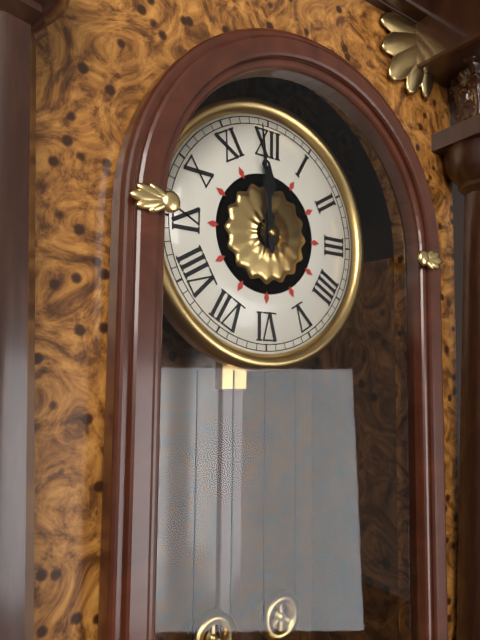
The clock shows h=11 m=59
